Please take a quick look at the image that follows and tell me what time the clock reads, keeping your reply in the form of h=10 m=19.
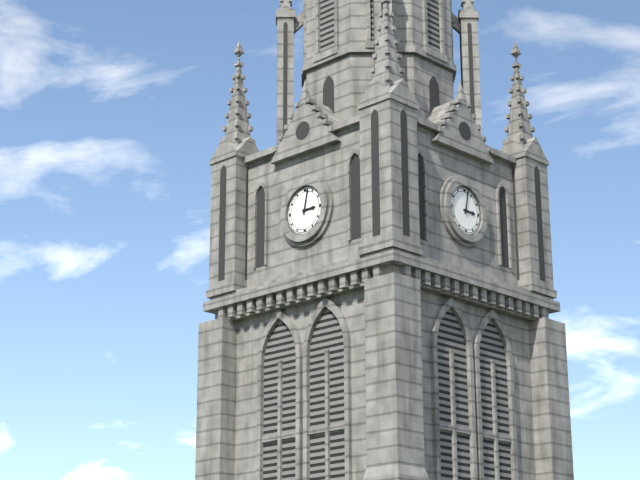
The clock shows h=3 m=2
